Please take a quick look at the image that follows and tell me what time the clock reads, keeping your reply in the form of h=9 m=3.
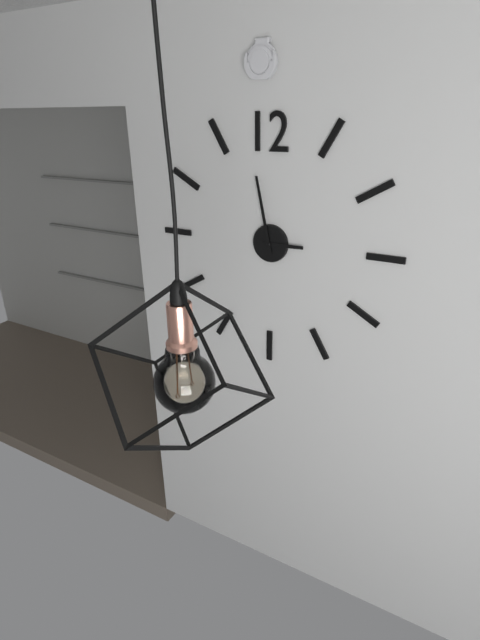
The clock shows h=2 m=58
